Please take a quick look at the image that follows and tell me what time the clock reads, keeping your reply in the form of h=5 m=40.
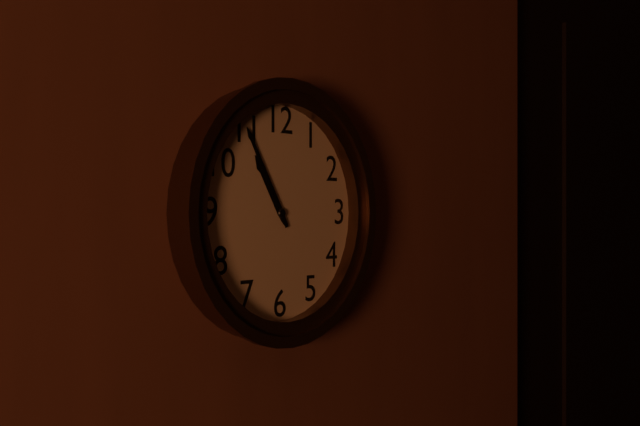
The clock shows h=10 m=55
